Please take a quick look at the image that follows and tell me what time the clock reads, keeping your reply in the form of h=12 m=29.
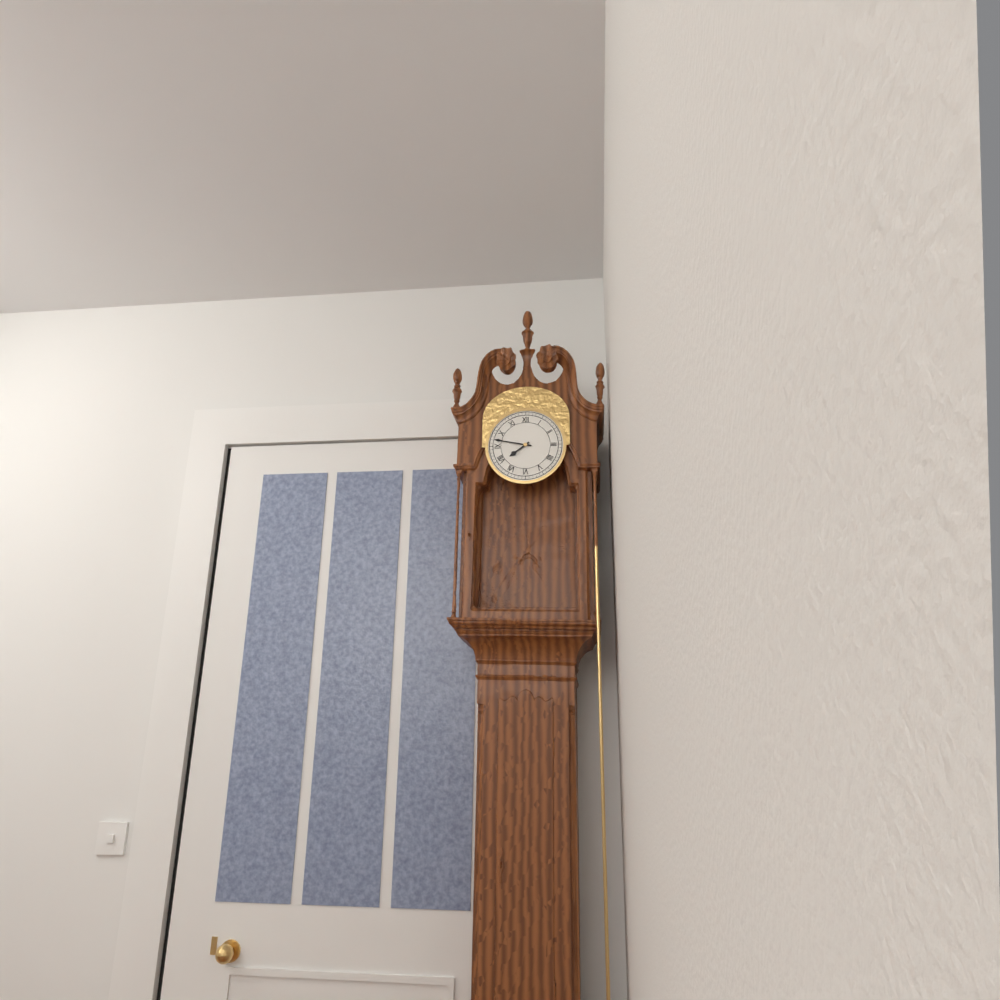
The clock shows h=7 m=47
